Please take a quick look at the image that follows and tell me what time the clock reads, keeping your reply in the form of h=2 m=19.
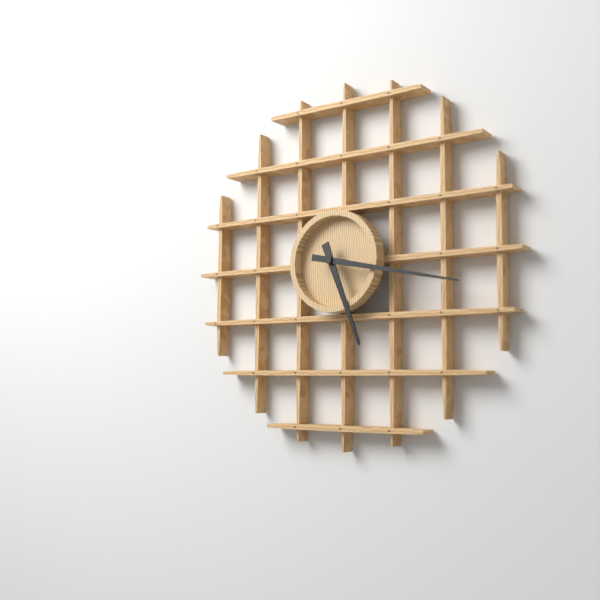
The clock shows h=5 m=17
